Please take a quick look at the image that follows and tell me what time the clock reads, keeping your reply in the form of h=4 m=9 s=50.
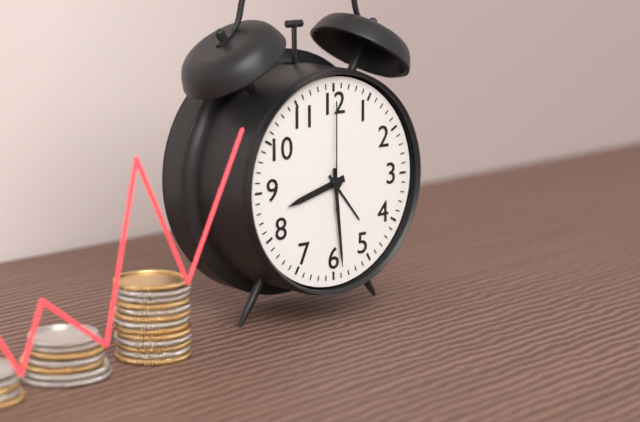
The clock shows h=8 m=29 s=0
